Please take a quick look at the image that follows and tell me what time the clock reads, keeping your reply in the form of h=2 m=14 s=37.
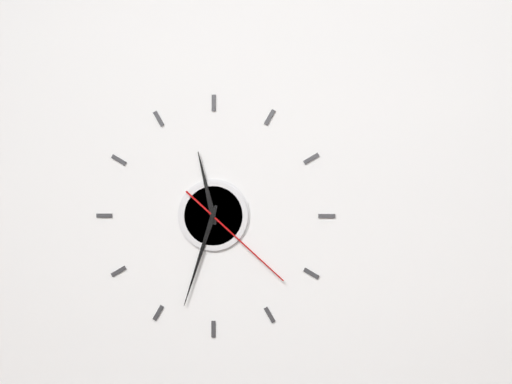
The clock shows h=11 m=33 s=22
